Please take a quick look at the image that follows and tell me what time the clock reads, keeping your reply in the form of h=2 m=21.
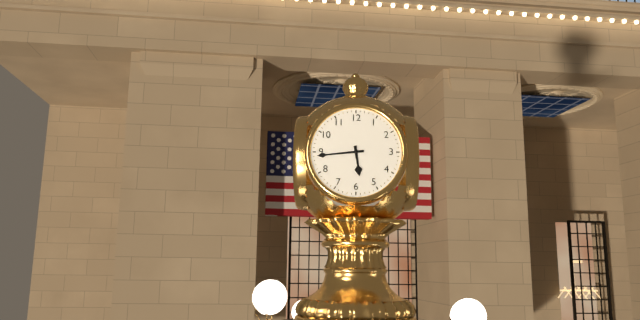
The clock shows h=5 m=44
